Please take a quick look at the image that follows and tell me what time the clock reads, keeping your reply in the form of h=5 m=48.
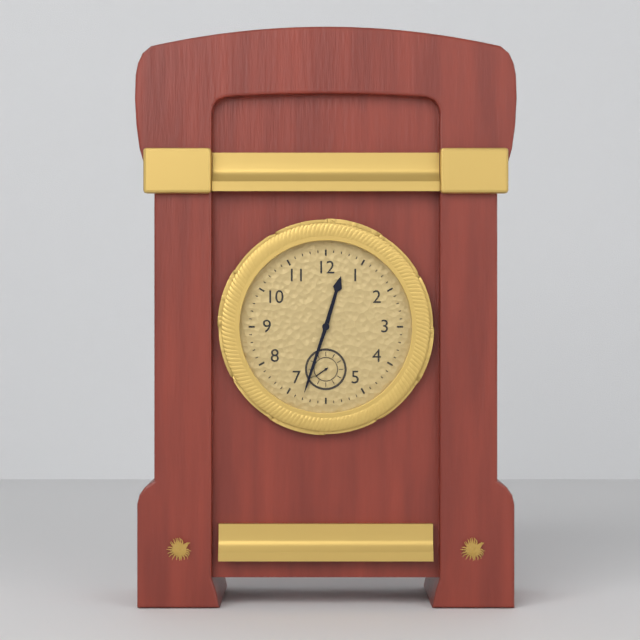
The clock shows h=12 m=33
